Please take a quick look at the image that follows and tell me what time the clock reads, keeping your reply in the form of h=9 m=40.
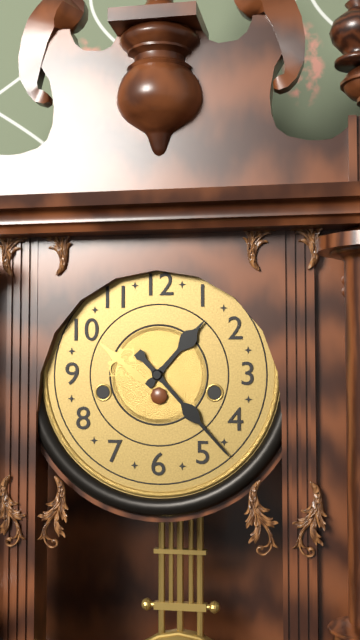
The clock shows h=1 m=23
